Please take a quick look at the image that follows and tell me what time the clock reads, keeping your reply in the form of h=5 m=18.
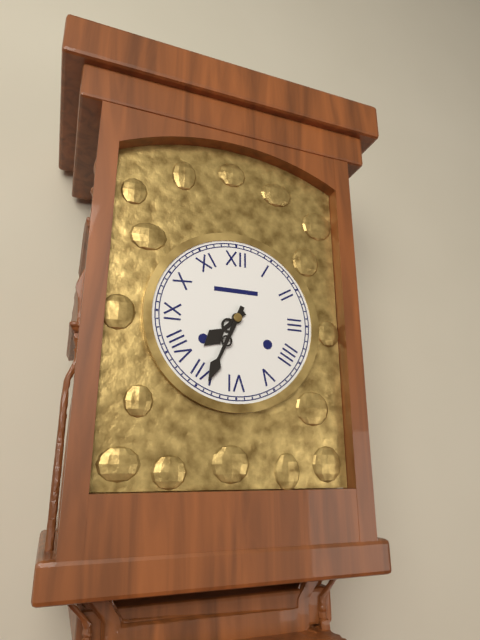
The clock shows h=7 m=34
